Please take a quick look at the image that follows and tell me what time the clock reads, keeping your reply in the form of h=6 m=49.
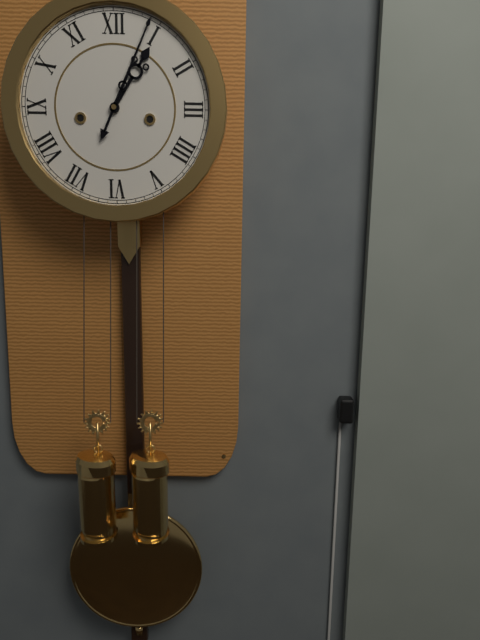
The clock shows h=1 m=4
